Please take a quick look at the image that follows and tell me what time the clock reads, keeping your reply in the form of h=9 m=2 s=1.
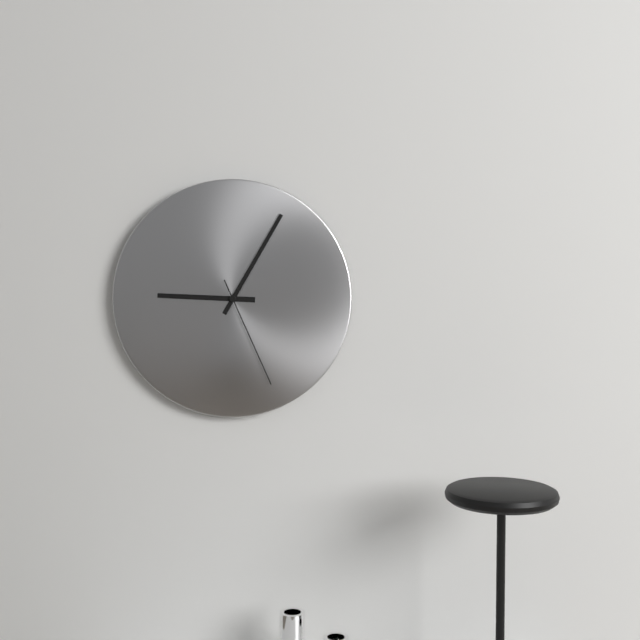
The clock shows h=9 m=5 s=26
